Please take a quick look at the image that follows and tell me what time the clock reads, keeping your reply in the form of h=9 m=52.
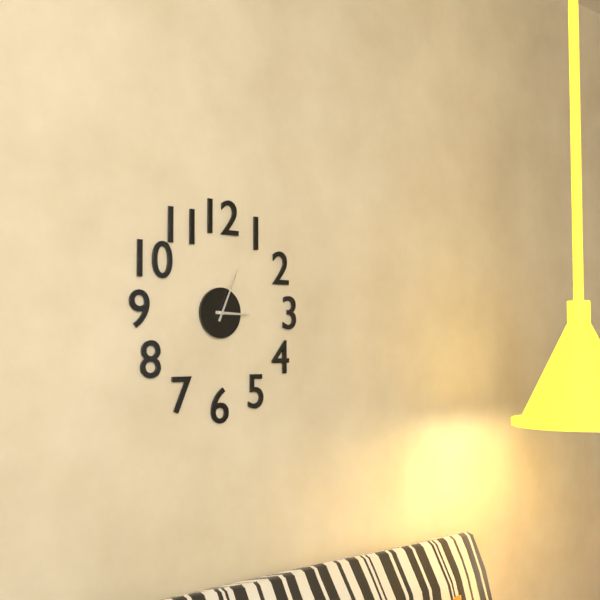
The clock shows h=3 m=4
